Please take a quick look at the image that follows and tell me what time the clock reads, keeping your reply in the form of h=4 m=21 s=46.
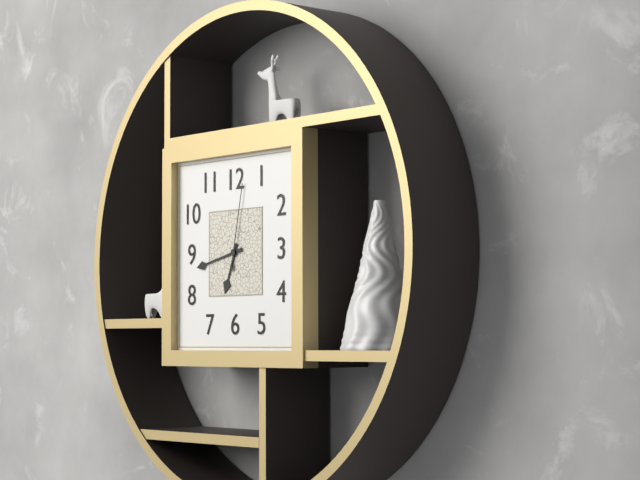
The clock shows h=6 m=43 s=2
